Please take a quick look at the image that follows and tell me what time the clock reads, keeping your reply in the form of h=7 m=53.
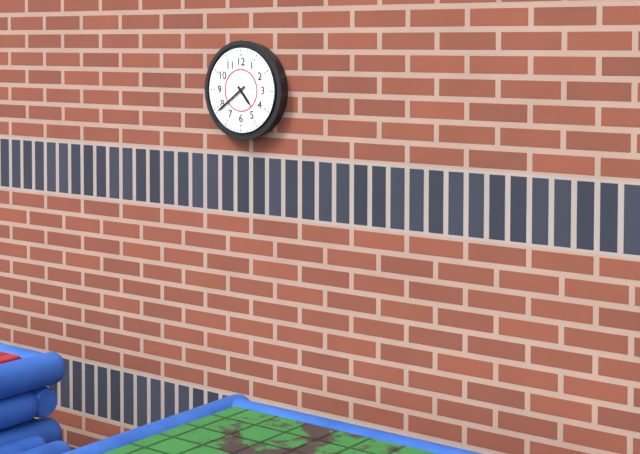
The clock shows h=4 m=39
